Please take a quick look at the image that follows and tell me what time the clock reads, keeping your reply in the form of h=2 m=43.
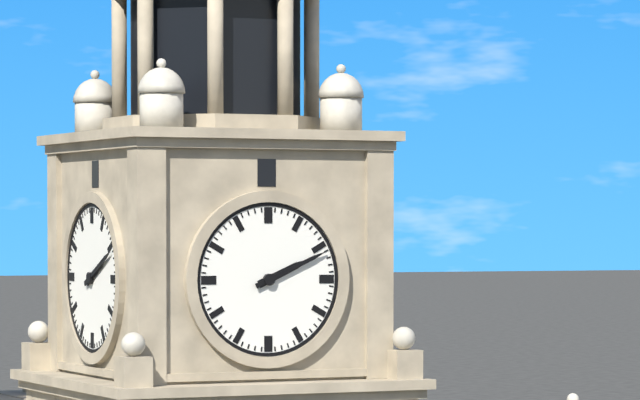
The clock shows h=2 m=11
